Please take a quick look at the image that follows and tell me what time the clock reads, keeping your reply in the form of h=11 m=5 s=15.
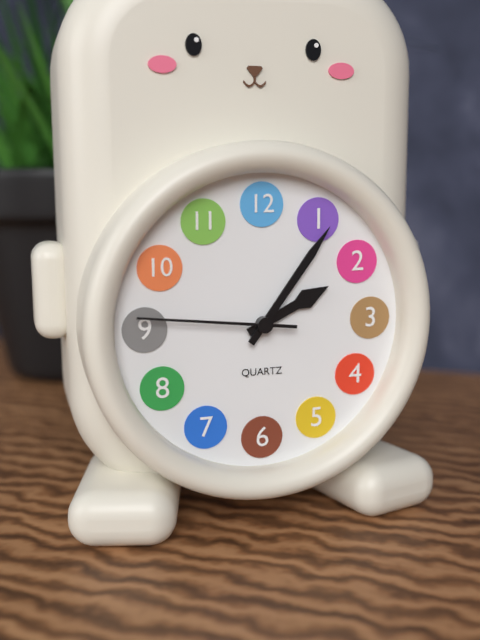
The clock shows h=2 m=6 s=46
